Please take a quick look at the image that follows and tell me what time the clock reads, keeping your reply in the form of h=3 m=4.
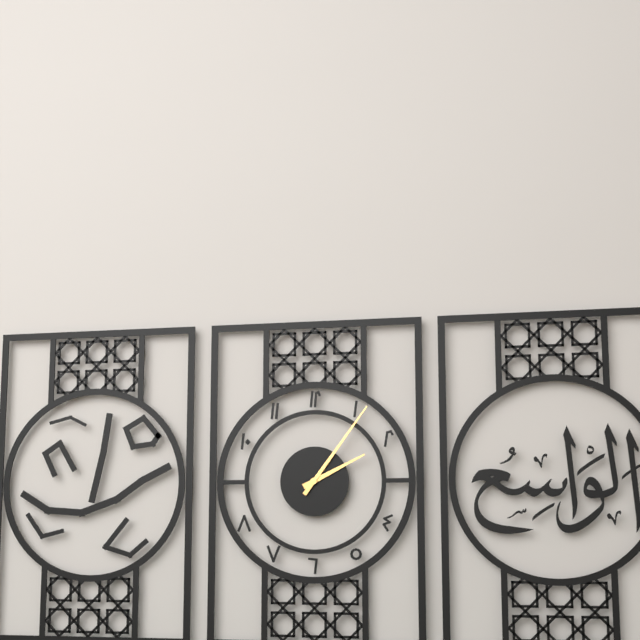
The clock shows h=2 m=6
